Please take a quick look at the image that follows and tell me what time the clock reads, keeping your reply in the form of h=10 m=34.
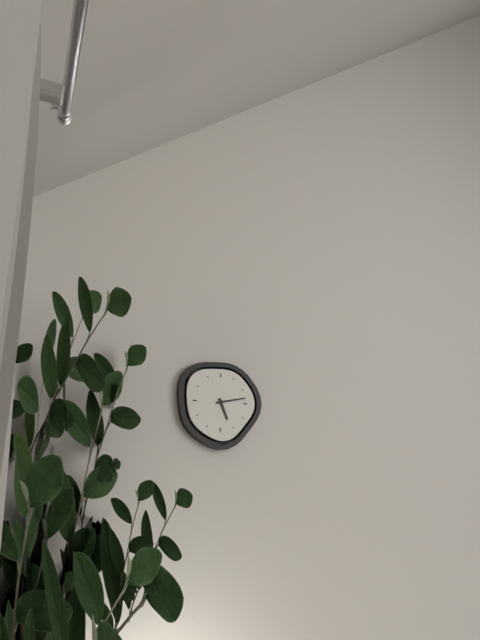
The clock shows h=5 m=13
